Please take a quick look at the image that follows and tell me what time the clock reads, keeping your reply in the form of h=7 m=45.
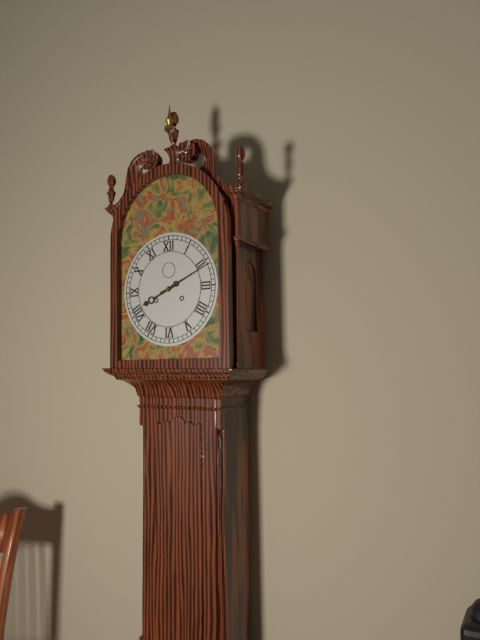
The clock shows h=8 m=11
